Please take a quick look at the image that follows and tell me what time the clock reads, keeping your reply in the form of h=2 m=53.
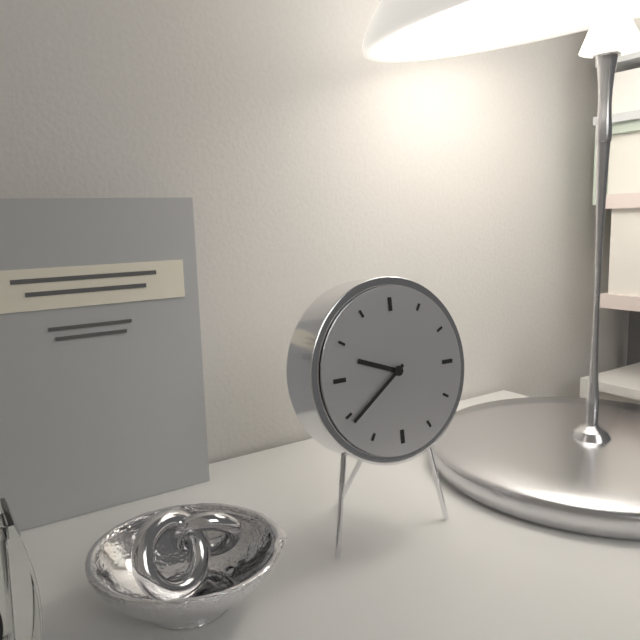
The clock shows h=9 m=39
